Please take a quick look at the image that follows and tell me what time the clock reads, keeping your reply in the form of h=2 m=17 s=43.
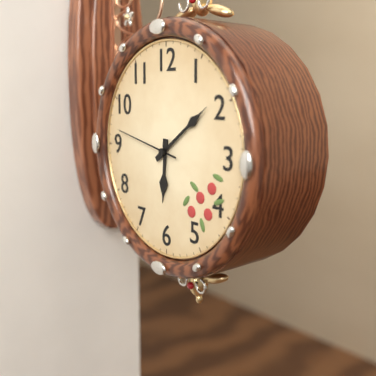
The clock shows h=6 m=9 s=47
